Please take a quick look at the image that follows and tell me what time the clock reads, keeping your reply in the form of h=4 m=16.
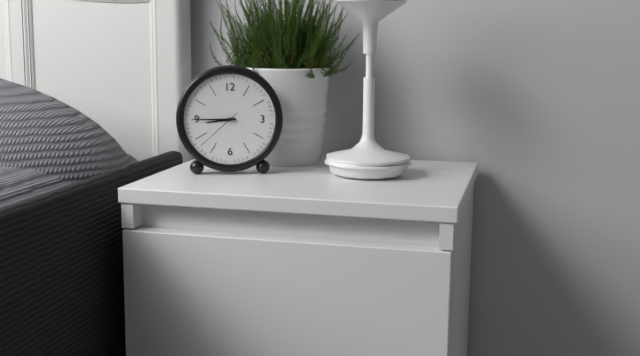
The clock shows h=8 m=45
